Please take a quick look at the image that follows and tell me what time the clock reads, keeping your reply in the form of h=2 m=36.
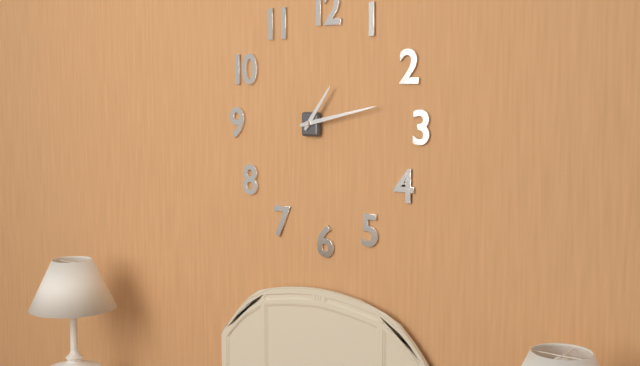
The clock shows h=1 m=13
